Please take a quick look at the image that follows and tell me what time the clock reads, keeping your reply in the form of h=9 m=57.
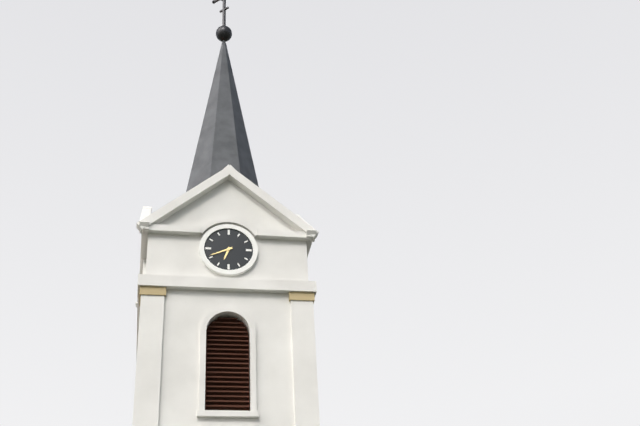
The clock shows h=6 m=41
